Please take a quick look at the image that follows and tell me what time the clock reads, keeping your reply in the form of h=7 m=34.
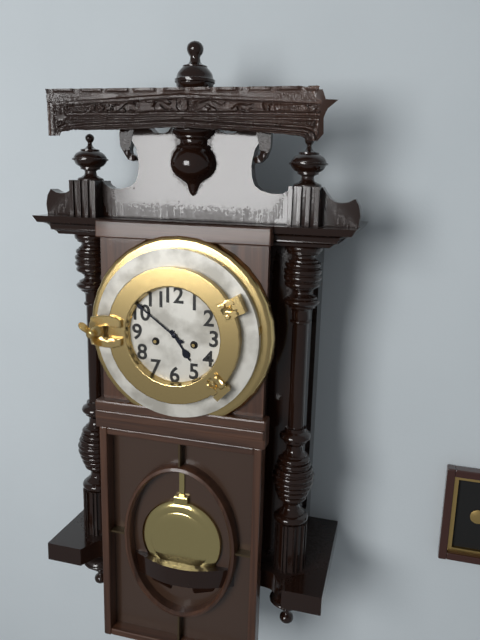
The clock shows h=4 m=51
